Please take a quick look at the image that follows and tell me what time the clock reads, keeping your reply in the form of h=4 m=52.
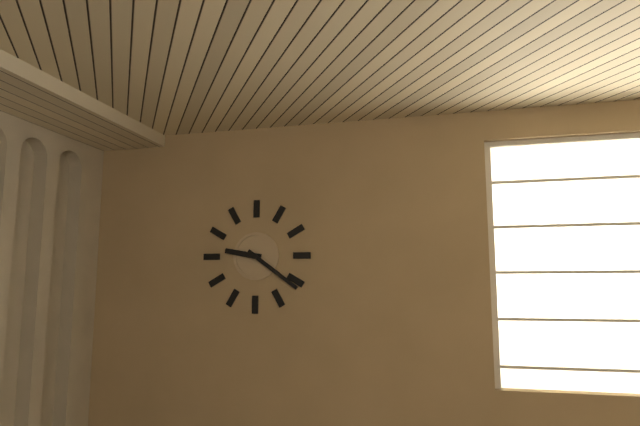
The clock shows h=9 m=21
